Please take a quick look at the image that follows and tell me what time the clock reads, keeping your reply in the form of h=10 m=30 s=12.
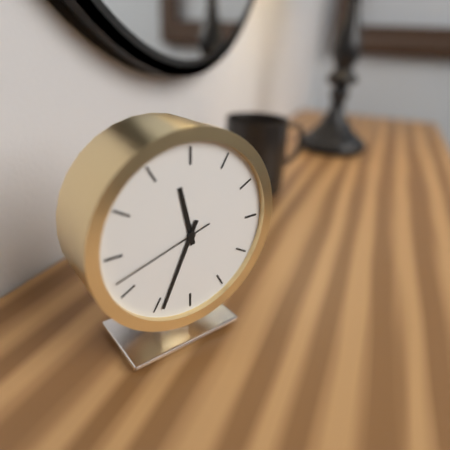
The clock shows h=11 m=34 s=42
